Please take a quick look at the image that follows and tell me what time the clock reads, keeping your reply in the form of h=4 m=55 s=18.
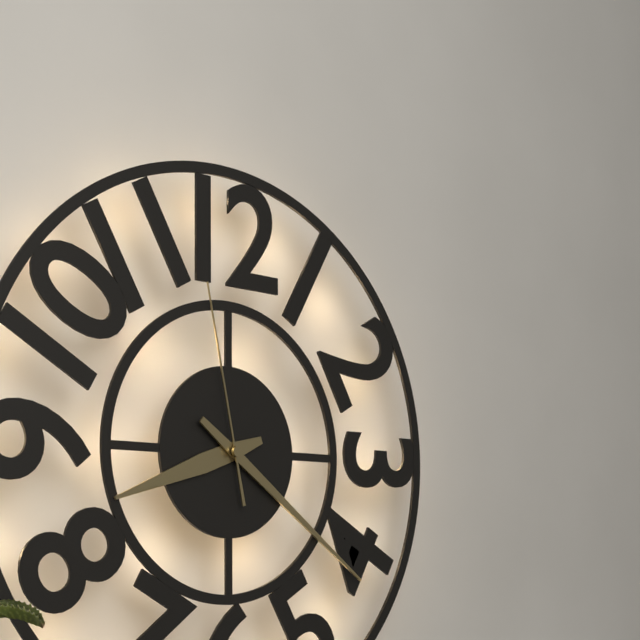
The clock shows h=8 m=21 s=58
